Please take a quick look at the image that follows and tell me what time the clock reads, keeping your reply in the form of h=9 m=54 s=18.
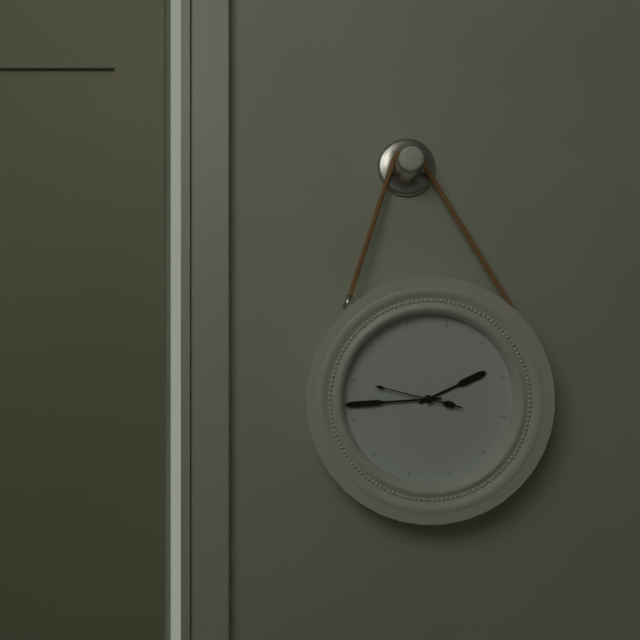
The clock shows h=1 m=42 s=45
